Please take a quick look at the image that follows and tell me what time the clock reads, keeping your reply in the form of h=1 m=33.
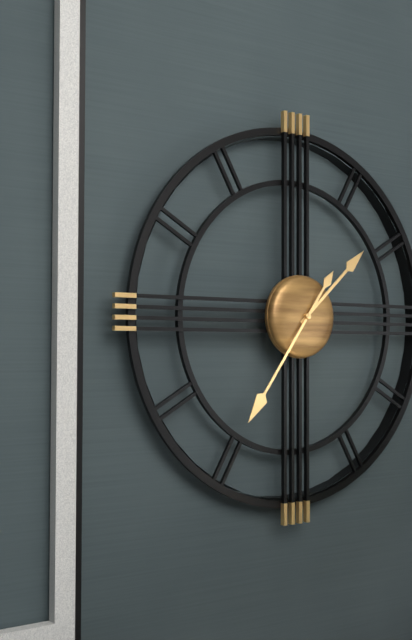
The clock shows h=1 m=36
